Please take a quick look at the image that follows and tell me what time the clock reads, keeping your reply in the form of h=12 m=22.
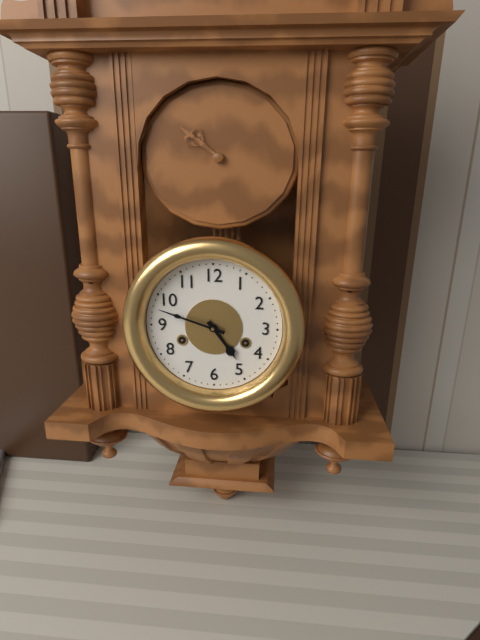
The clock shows h=4 m=48
